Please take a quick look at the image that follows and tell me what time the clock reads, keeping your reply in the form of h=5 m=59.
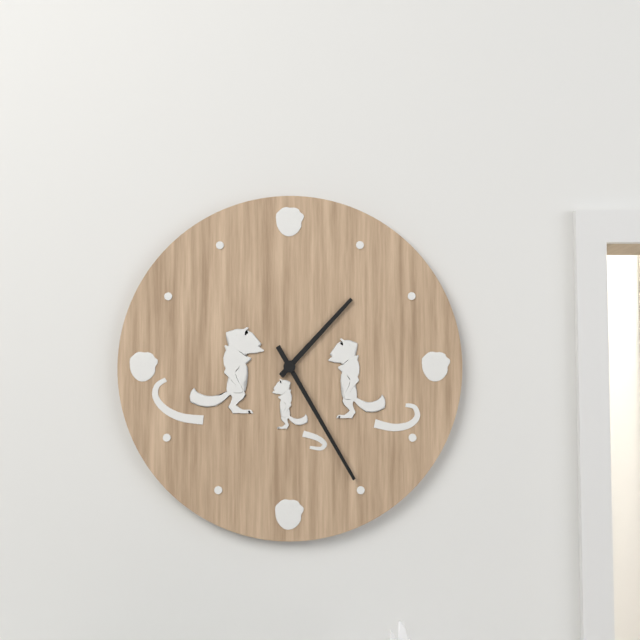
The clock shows h=1 m=25
